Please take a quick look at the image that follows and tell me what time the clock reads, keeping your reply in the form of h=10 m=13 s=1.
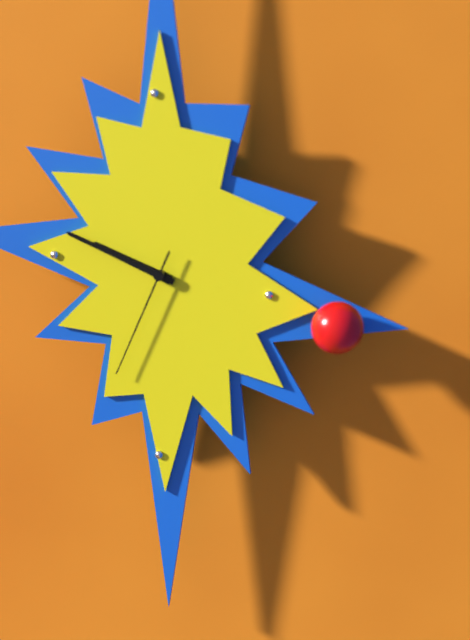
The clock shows h=9 m=49 s=34
